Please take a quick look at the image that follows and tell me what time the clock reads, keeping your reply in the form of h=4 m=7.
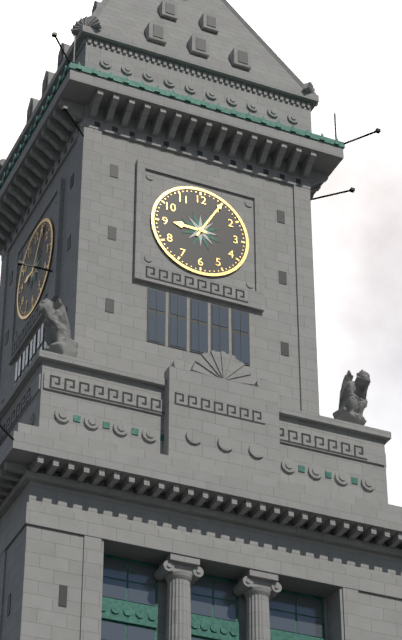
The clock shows h=9 m=5
